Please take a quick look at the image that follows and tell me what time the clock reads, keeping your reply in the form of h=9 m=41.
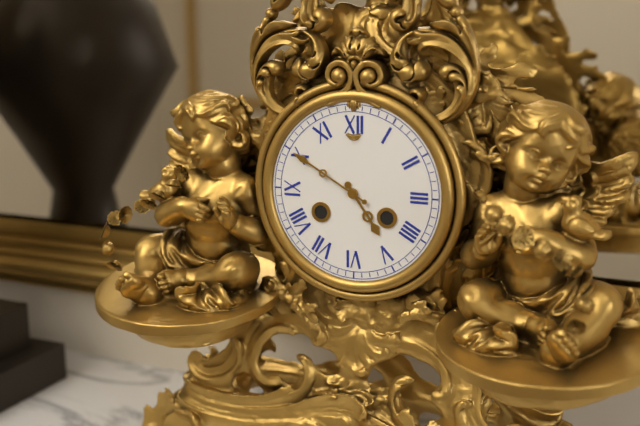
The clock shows h=4 m=50
